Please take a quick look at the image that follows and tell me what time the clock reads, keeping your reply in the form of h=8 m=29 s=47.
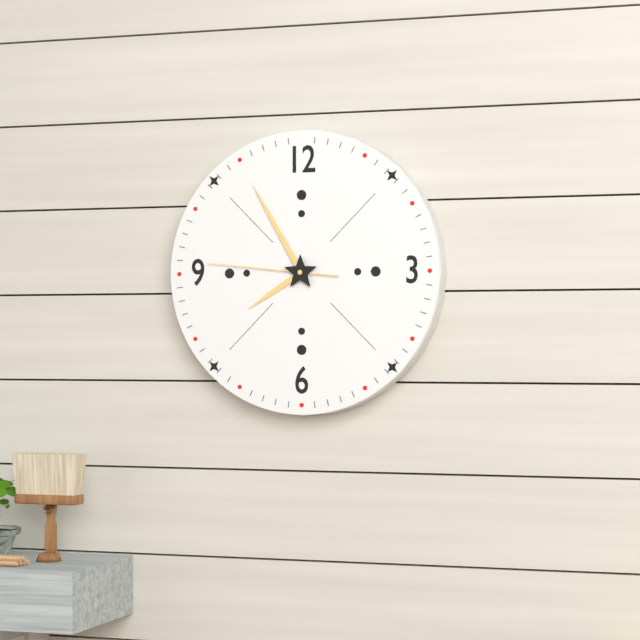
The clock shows h=7 m=55 s=46
